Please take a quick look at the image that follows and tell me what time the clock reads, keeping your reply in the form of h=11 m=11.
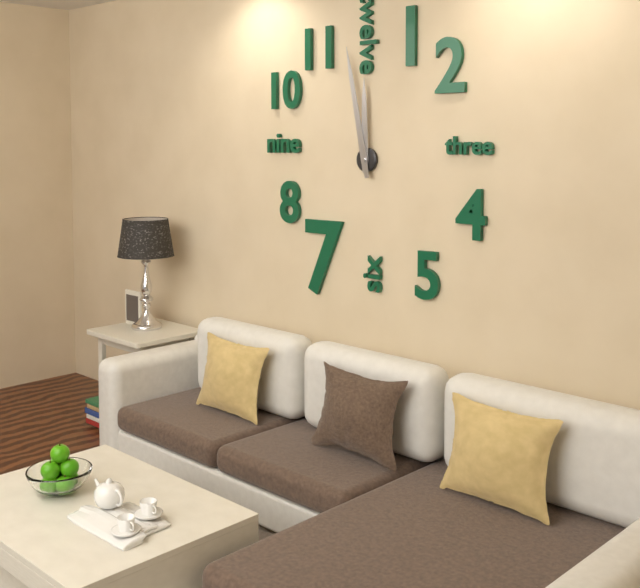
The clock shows h=11 m=58
